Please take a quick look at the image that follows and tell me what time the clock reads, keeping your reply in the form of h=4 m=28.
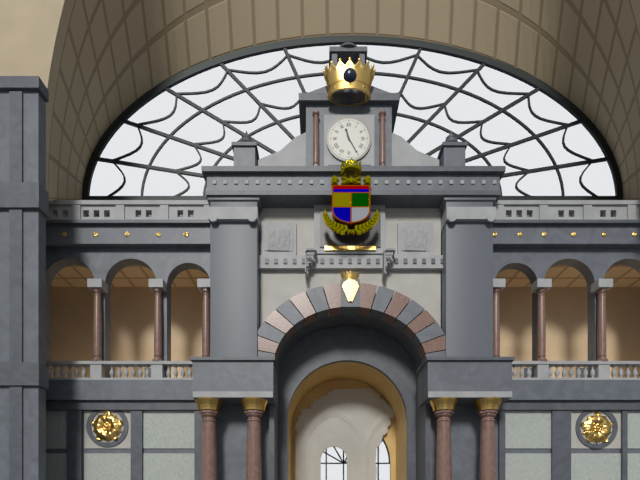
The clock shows h=11 m=25
